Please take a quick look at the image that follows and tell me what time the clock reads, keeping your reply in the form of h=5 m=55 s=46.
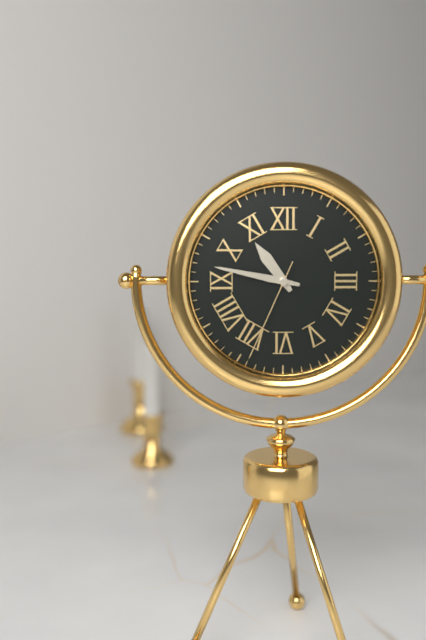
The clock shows h=10 m=47 s=34
